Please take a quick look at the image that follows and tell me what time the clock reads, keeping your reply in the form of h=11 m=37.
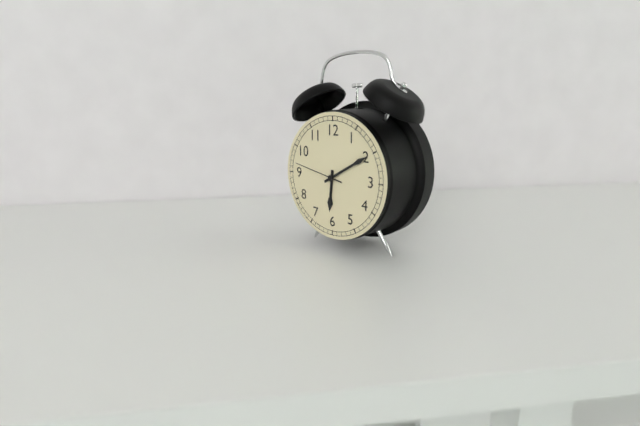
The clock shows h=6 m=10
